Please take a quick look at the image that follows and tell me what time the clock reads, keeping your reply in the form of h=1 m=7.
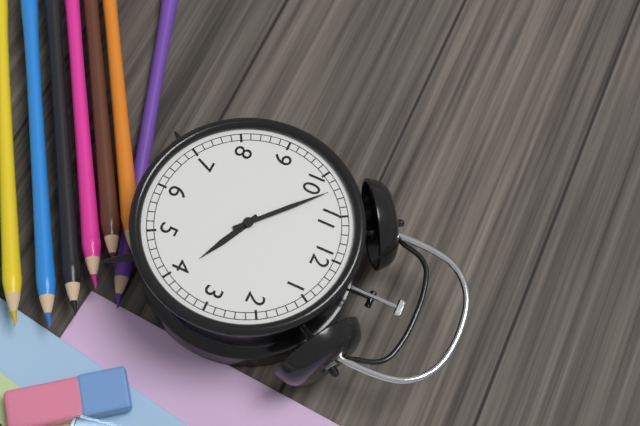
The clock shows h=3 m=52
